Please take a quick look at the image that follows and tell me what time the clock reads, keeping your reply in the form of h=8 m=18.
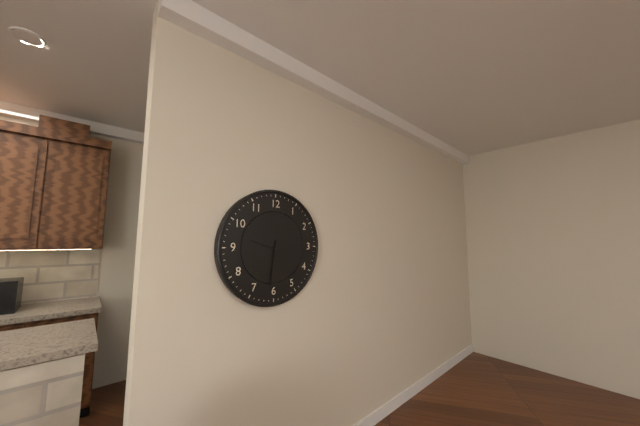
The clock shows h=9 m=31
